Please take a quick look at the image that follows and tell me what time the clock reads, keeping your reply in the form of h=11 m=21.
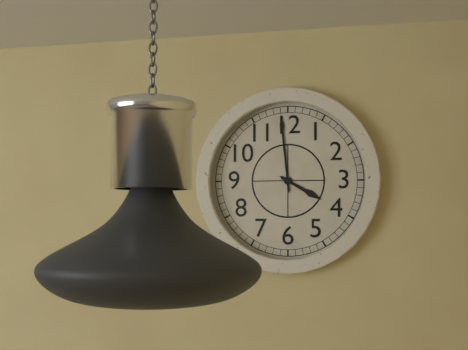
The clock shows h=3 m=59
